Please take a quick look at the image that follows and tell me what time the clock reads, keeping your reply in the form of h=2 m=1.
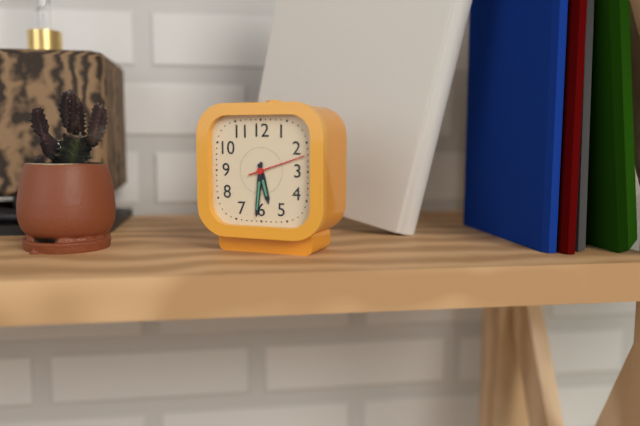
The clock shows h=5 m=31
